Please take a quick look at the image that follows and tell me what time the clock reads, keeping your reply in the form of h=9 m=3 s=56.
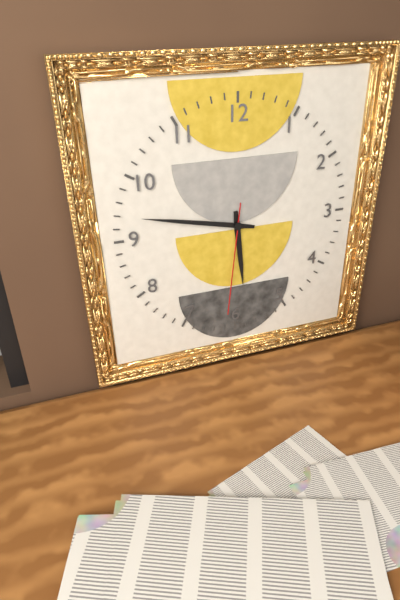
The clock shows h=5 m=47 s=31
